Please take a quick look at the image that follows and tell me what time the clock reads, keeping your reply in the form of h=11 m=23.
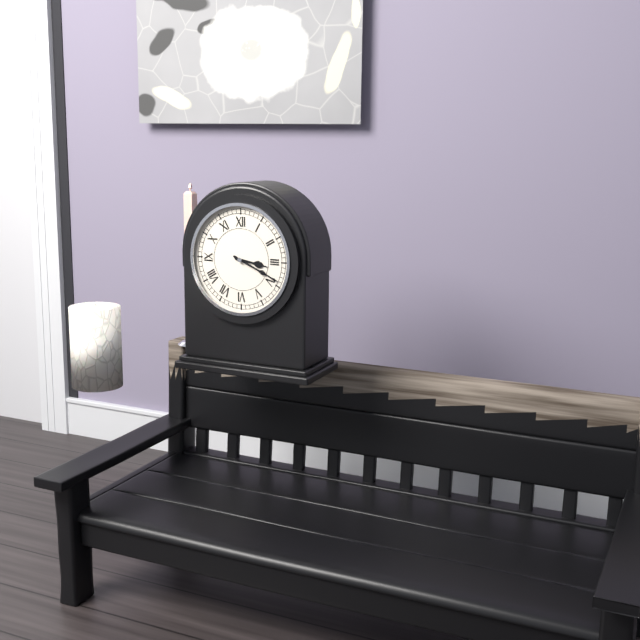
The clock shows h=3 m=19
